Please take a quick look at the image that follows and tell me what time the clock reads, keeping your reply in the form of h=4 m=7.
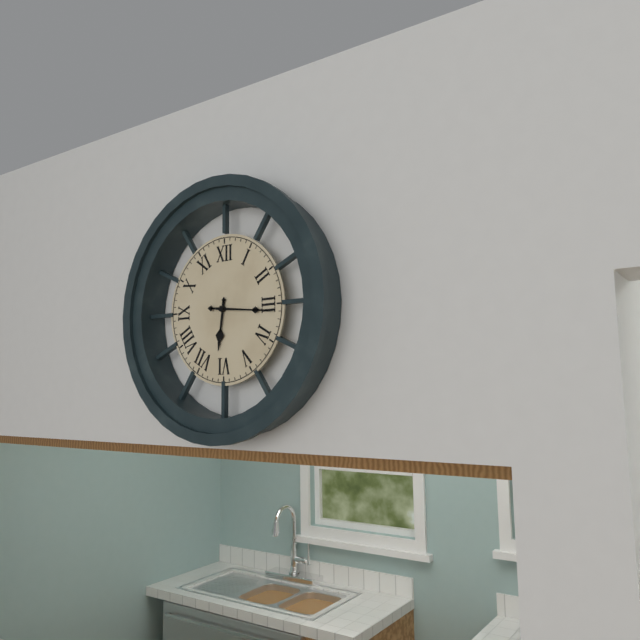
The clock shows h=6 m=16
